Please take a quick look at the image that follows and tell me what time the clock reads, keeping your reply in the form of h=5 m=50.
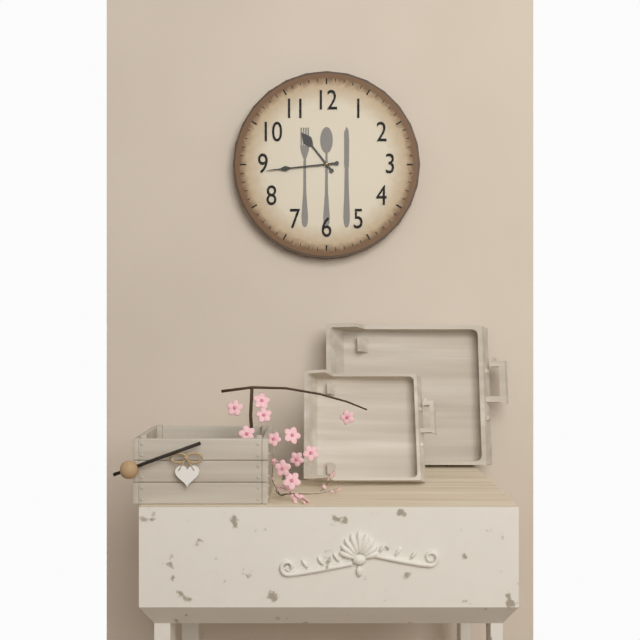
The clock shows h=10 m=44
